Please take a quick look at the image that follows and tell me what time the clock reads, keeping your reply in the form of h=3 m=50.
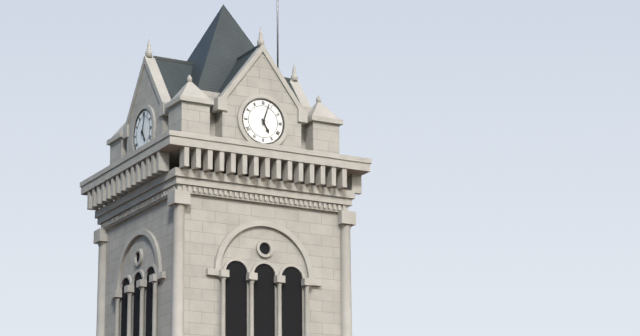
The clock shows h=5 m=3
